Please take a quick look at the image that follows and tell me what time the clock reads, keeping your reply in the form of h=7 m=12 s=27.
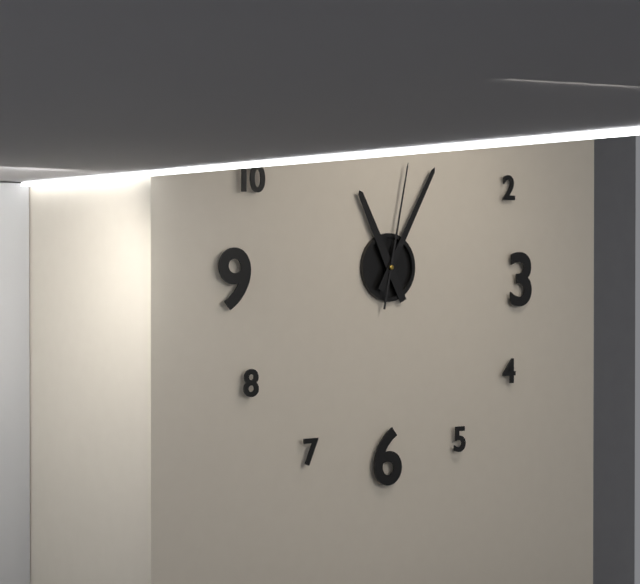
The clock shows h=11 m=5 s=2
